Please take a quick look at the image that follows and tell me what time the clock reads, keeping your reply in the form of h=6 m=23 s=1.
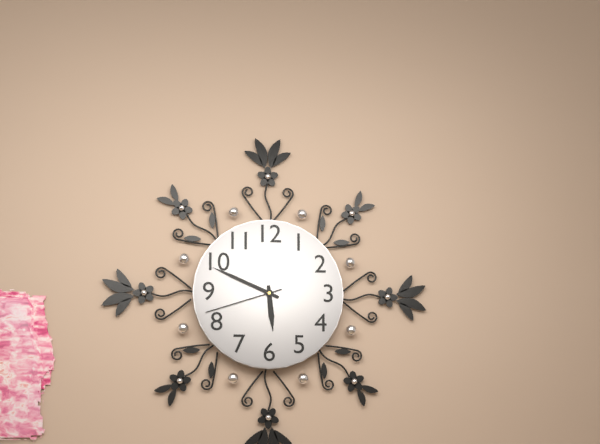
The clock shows h=5 m=49 s=42
